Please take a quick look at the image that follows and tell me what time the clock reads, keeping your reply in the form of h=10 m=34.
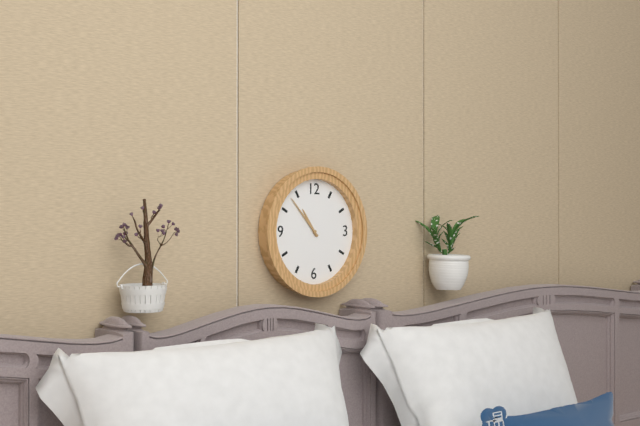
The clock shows h=10 m=53
